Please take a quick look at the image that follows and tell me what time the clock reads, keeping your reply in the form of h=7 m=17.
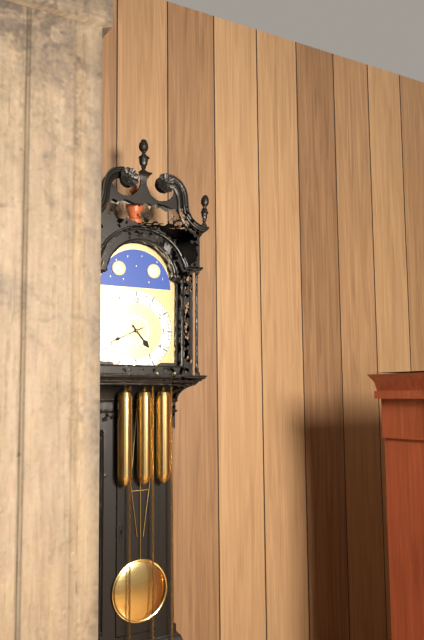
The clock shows h=4 m=41
